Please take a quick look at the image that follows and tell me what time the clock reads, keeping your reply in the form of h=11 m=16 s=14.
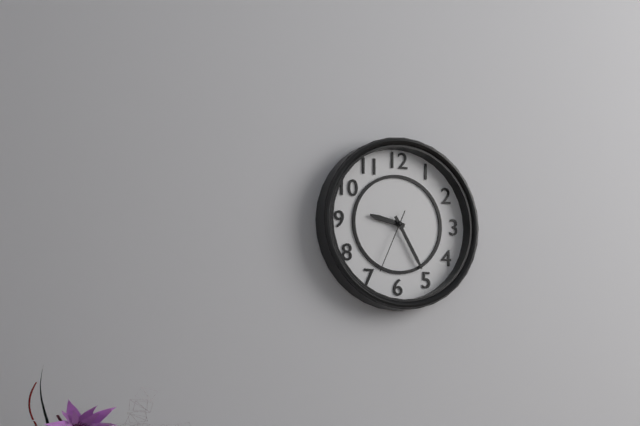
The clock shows h=9 m=25 s=34
